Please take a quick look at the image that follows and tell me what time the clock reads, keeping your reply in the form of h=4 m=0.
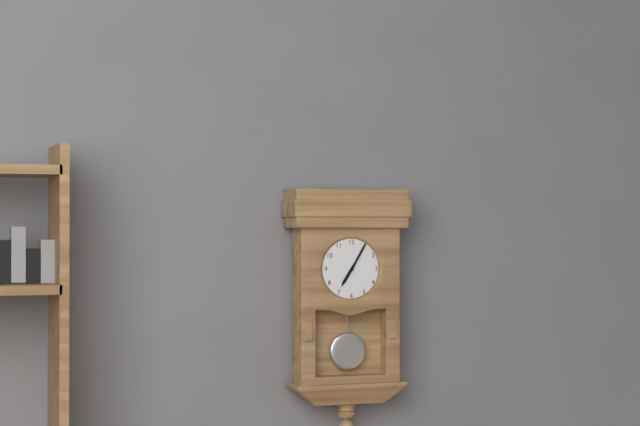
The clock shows h=7 m=5
